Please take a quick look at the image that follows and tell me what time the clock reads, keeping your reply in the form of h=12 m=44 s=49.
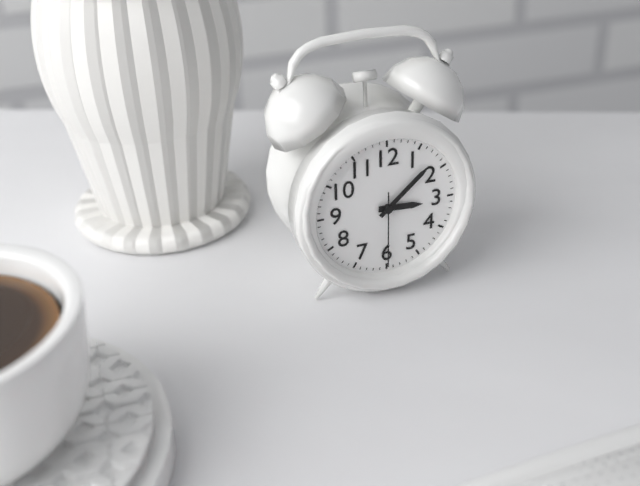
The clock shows h=3 m=8 s=30
